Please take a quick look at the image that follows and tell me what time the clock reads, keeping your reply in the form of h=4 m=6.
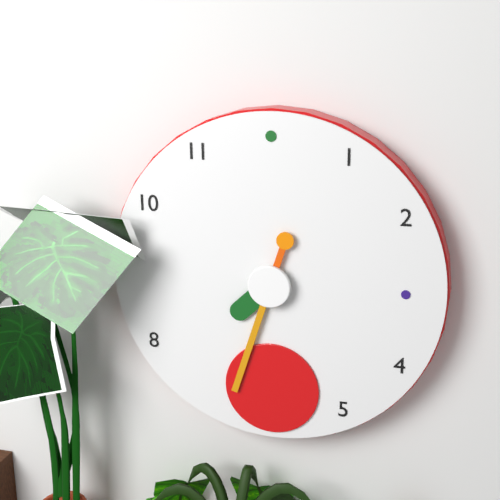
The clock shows h=7 m=33
